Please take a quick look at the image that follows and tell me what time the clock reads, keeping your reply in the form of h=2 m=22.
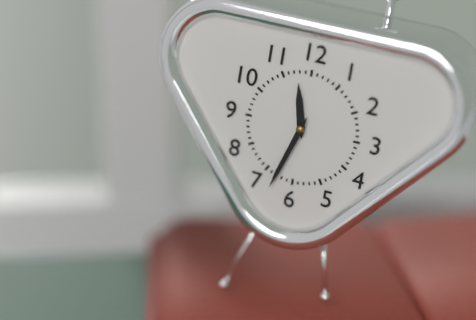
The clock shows h=11 m=33
